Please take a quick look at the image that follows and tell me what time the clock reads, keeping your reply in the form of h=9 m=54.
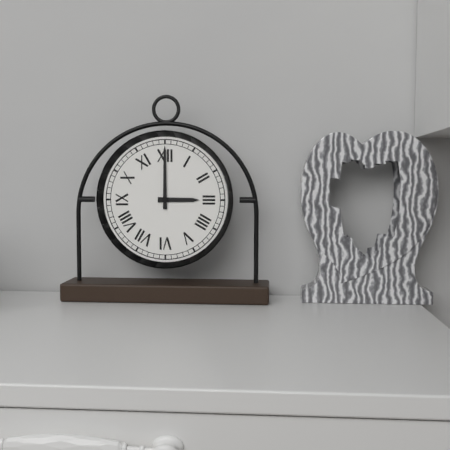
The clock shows h=3 m=0
